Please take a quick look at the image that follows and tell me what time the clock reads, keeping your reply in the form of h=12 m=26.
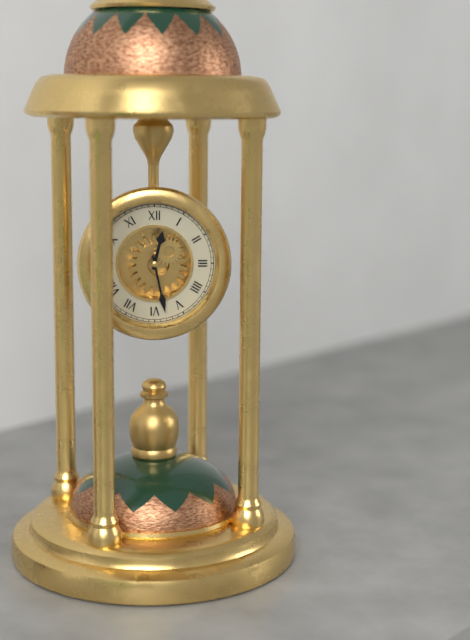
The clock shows h=12 m=28
